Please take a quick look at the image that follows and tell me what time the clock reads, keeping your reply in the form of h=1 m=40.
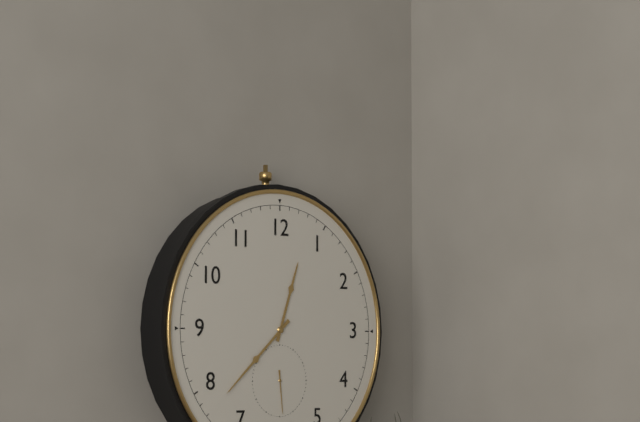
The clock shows h=12 m=38
